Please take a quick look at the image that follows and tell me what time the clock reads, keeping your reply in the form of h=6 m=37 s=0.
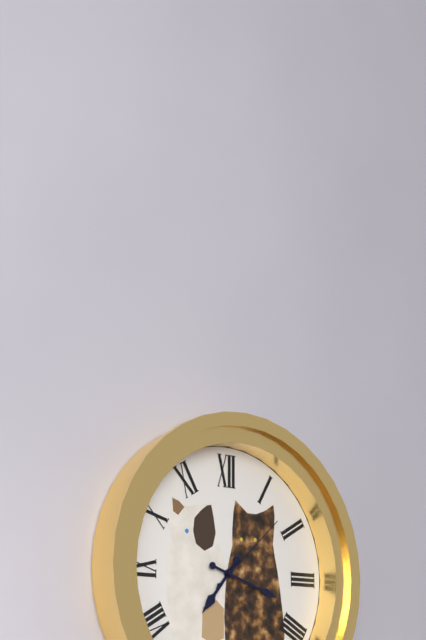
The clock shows h=7 m=18 s=8
